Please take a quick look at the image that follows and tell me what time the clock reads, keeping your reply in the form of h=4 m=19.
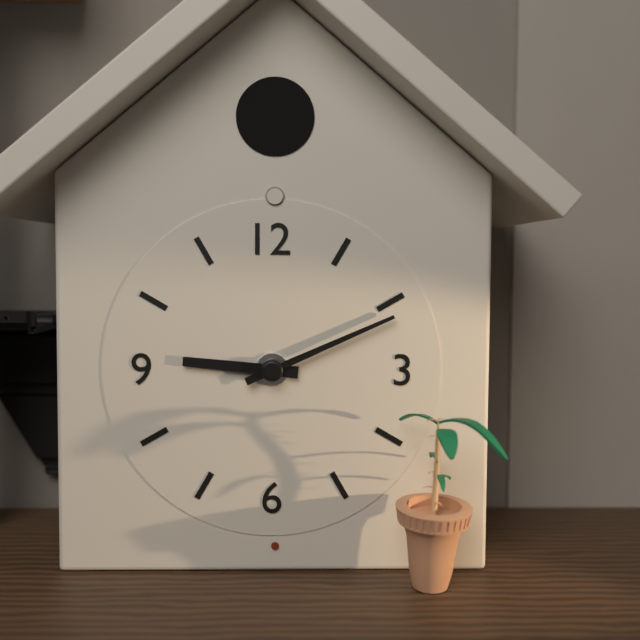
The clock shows h=9 m=11
